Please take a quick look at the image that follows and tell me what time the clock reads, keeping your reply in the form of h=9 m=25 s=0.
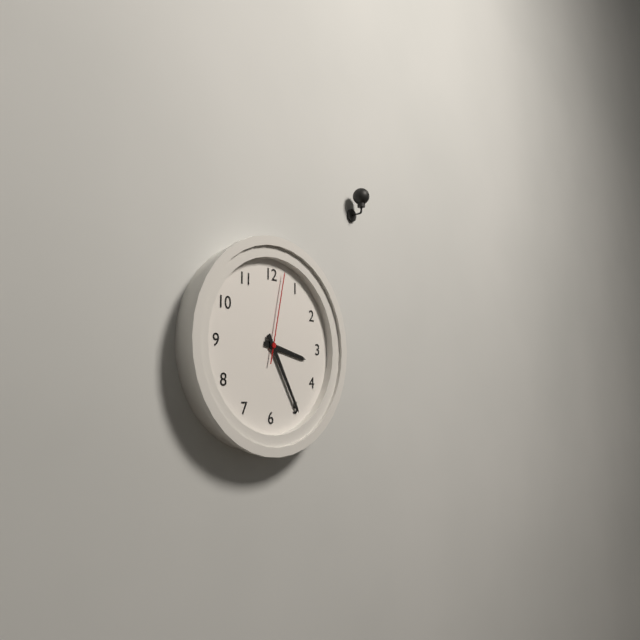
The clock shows h=3 m=25 s=2
